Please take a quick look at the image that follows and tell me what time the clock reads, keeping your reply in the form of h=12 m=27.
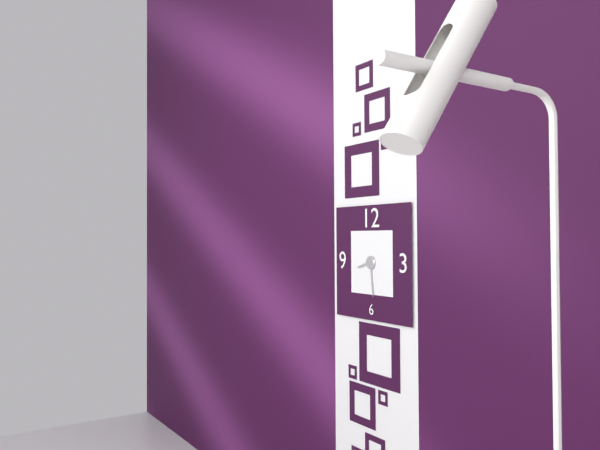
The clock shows h=8 m=29
